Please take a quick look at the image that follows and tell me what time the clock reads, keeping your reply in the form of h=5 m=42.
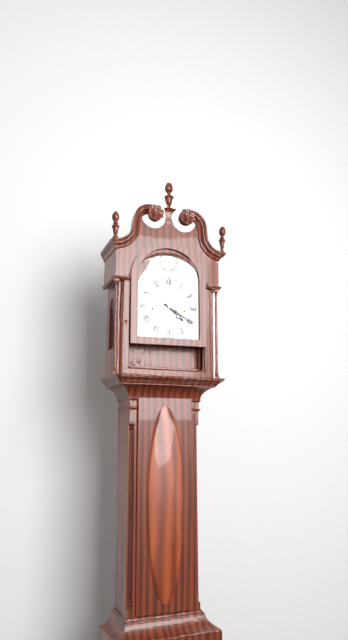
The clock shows h=4 m=20
